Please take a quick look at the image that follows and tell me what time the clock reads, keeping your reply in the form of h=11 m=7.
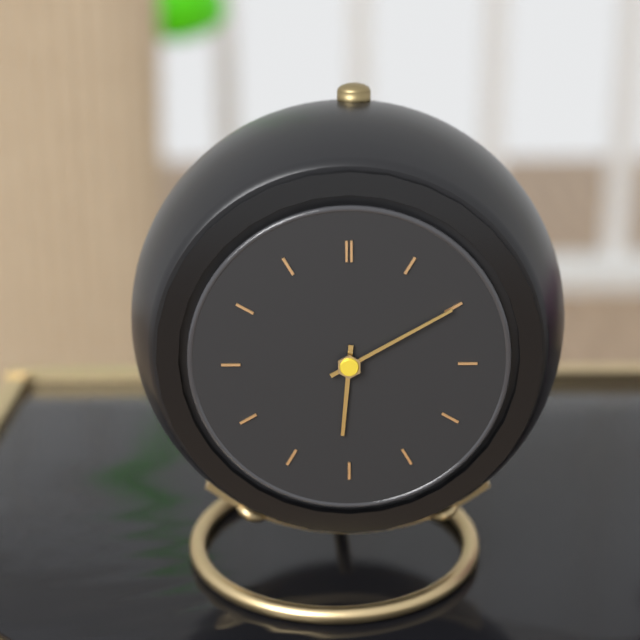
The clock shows h=6 m=10
